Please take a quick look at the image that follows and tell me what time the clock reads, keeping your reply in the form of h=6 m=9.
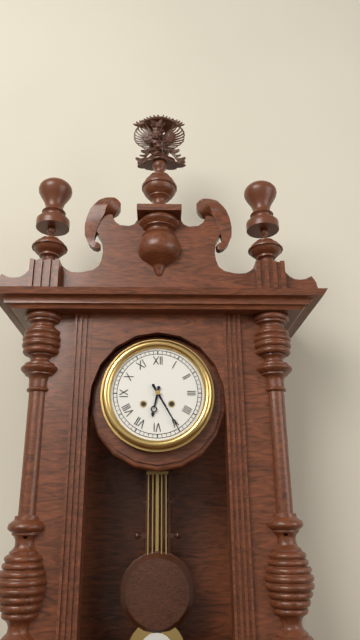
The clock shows h=6 m=25
